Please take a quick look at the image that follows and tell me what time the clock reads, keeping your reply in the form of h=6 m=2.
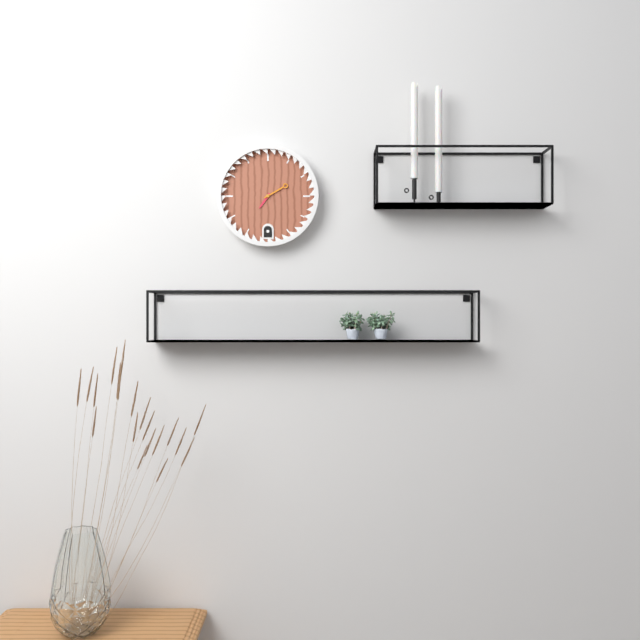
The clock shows h=7 m=10
